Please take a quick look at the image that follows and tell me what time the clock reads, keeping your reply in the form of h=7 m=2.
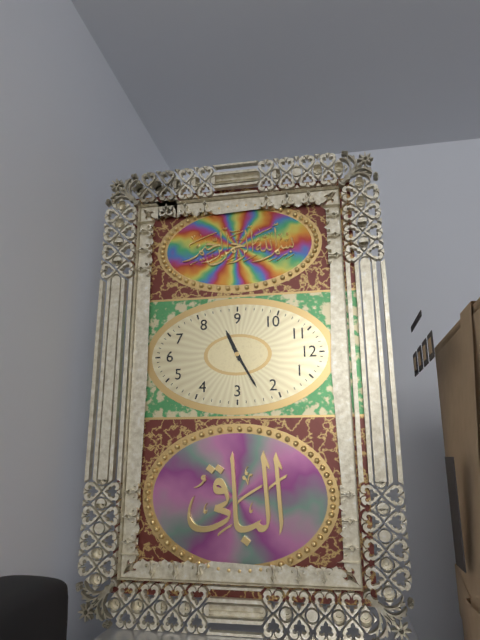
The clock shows h=8 m=10
